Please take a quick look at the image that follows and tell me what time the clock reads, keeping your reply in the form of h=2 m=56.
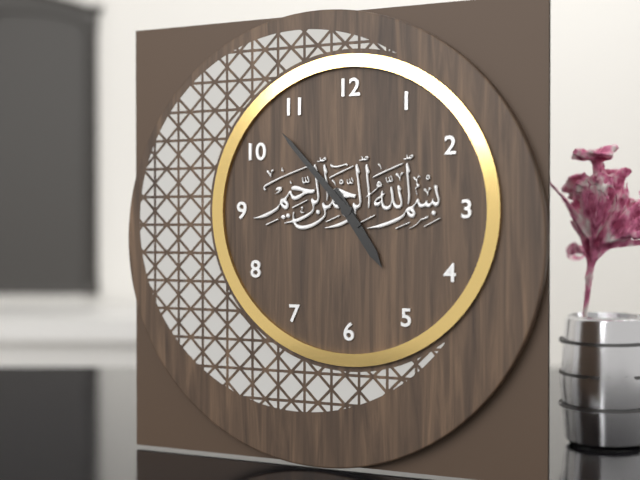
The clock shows h=4 m=53
